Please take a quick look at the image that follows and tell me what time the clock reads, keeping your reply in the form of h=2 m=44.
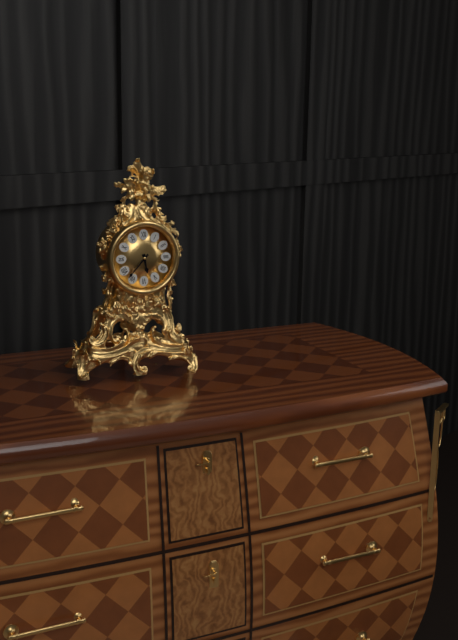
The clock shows h=5 m=37
